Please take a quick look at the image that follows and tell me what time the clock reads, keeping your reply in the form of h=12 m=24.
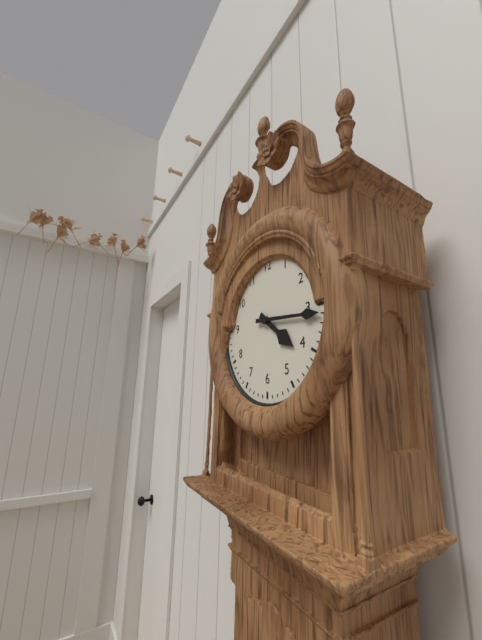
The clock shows h=4 m=16
